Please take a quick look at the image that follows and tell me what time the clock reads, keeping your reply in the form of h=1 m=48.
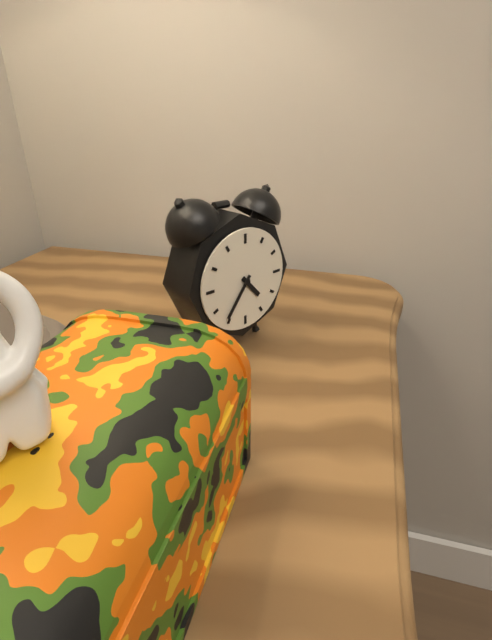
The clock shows h=4 m=36
